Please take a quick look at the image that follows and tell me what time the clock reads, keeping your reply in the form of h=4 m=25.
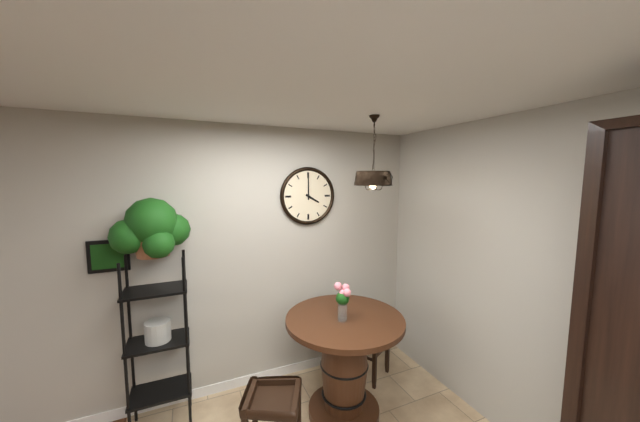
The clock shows h=4 m=0
